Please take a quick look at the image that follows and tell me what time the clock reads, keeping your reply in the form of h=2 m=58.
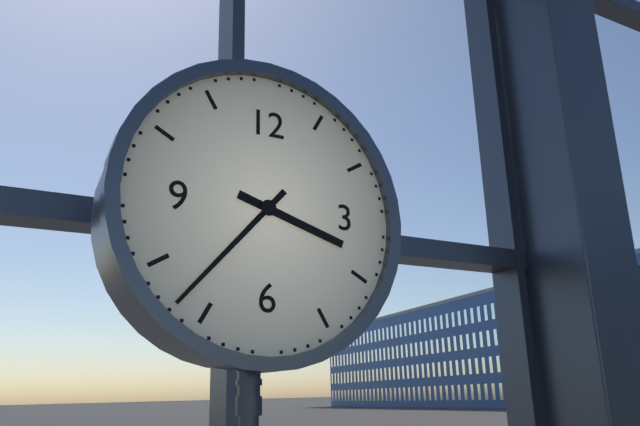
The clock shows h=3 m=37
